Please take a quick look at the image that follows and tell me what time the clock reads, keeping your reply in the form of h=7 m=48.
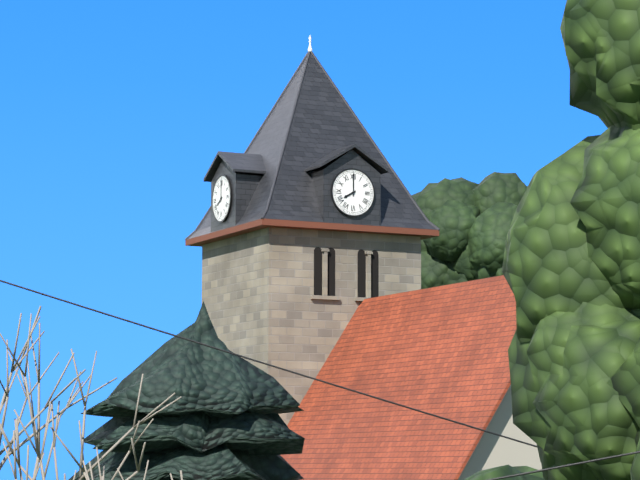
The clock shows h=8 m=0
